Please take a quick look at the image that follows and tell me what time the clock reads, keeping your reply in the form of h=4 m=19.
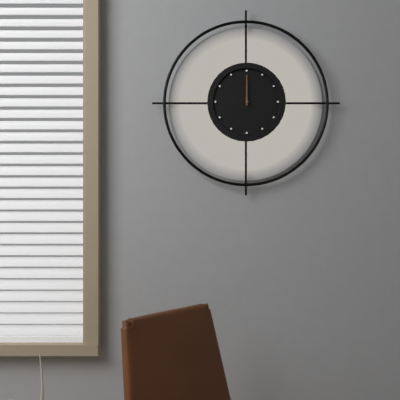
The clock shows h=12 m=0
